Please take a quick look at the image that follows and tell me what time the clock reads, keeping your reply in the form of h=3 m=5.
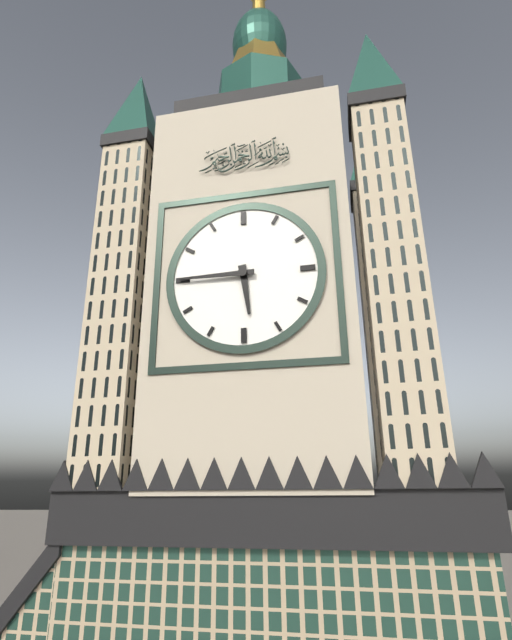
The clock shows h=5 m=45
